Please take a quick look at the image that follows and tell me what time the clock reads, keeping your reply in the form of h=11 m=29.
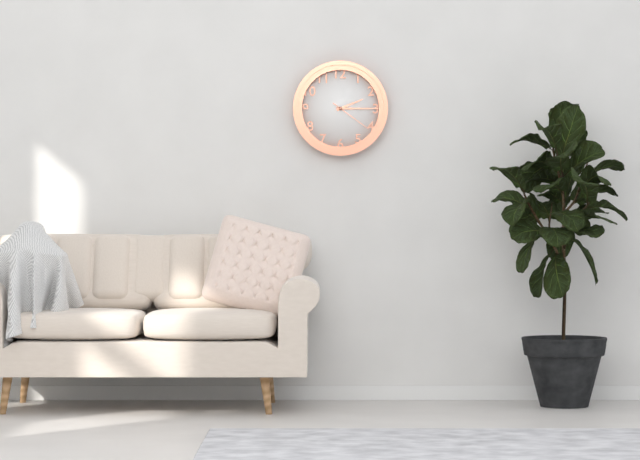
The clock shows h=2 m=15
